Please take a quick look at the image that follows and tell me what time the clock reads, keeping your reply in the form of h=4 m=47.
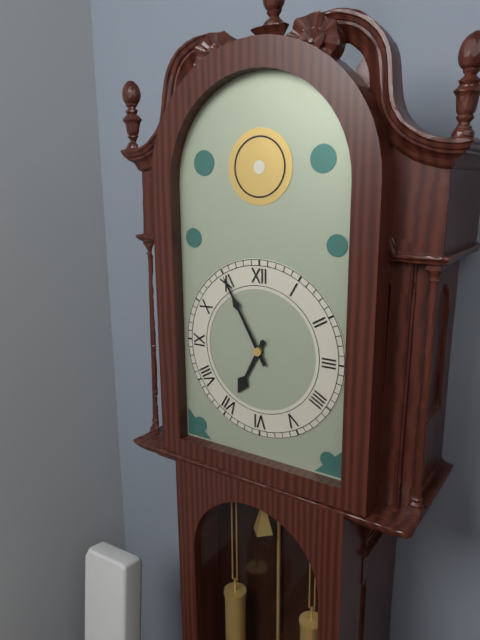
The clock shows h=6 m=55
